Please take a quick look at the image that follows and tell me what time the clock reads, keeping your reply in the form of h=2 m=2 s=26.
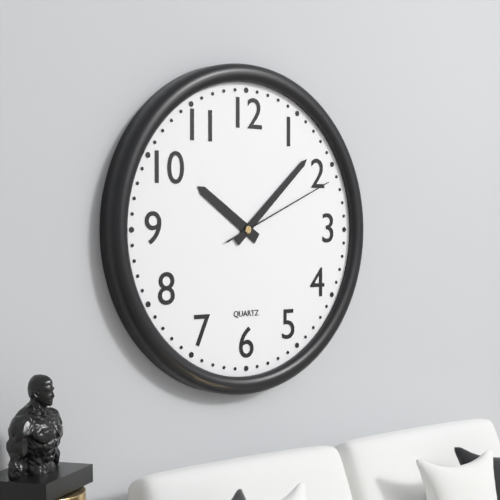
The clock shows h=10 m=8 s=11
